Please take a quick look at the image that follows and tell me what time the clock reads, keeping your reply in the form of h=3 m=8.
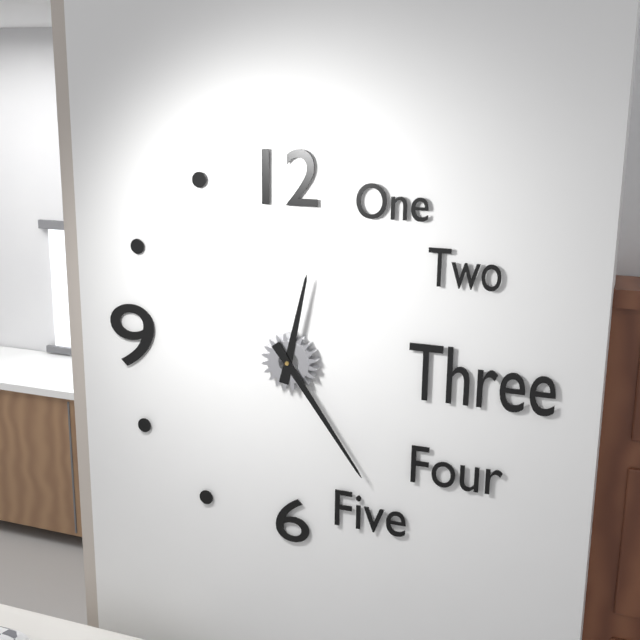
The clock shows h=12 m=24
